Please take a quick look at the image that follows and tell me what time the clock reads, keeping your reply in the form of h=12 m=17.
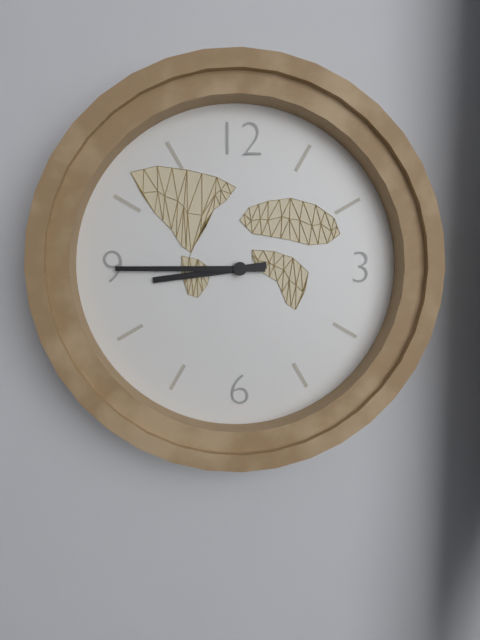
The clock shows h=8 m=45
